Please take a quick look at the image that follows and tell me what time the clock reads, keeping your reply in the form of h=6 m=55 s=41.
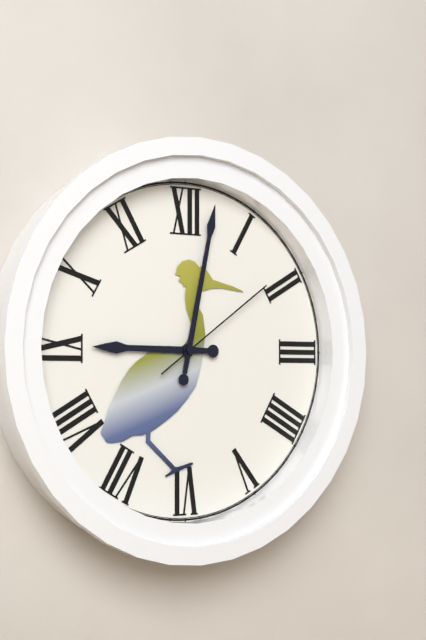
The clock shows h=9 m=2 s=9
